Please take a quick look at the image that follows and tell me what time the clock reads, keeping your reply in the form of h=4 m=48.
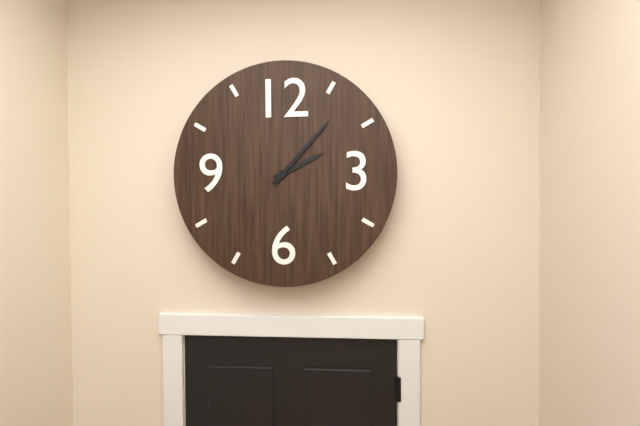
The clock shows h=2 m=7
